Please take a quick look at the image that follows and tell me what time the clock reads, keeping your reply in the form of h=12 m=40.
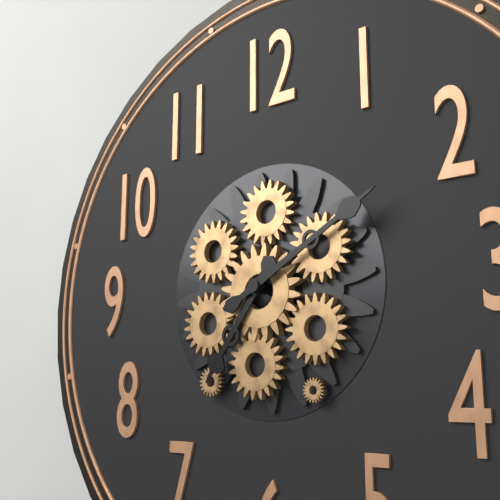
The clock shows h=7 m=10
